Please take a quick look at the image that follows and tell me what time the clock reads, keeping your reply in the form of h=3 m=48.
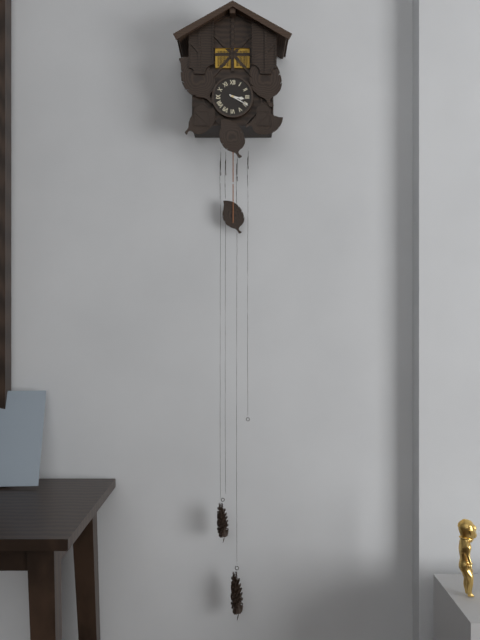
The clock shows h=3 m=20
